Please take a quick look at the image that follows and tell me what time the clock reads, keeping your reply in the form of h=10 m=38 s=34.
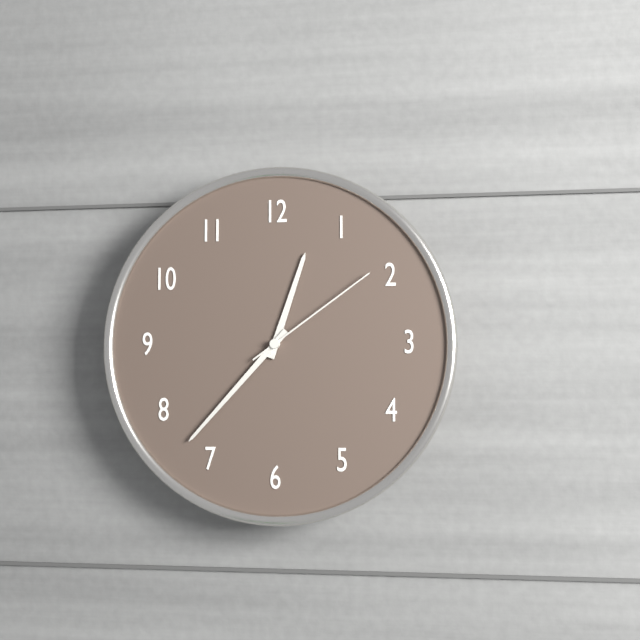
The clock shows h=12 m=37 s=9
